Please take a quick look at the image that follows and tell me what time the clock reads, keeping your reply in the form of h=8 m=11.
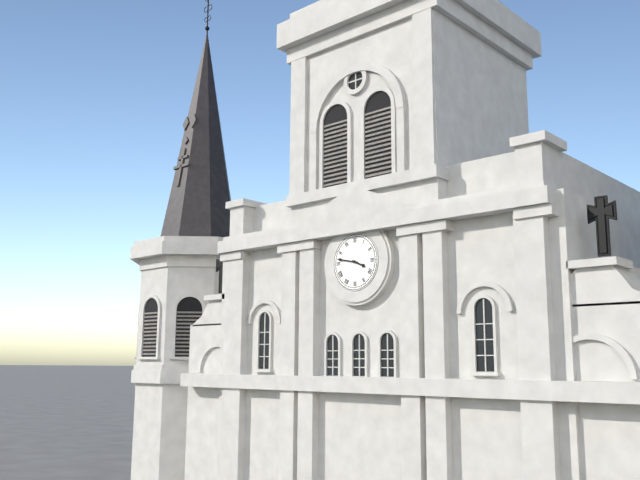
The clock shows h=3 m=47
